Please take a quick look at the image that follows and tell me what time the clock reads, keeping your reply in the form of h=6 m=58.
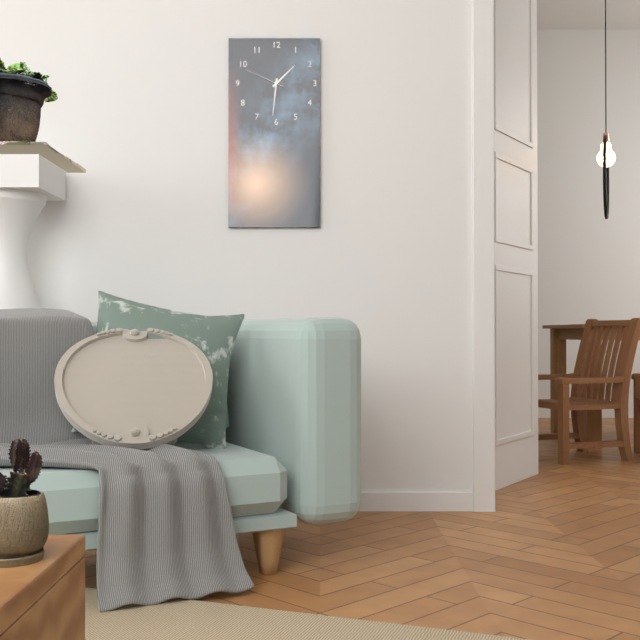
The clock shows h=1 m=31
